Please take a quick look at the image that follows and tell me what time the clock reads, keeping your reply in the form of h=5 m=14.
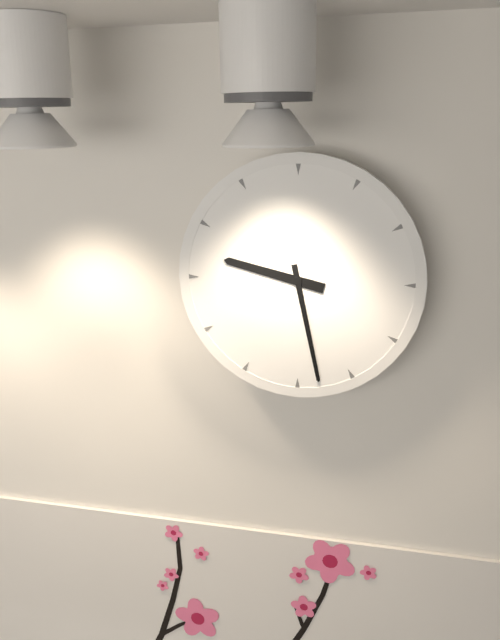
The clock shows h=9 m=28
